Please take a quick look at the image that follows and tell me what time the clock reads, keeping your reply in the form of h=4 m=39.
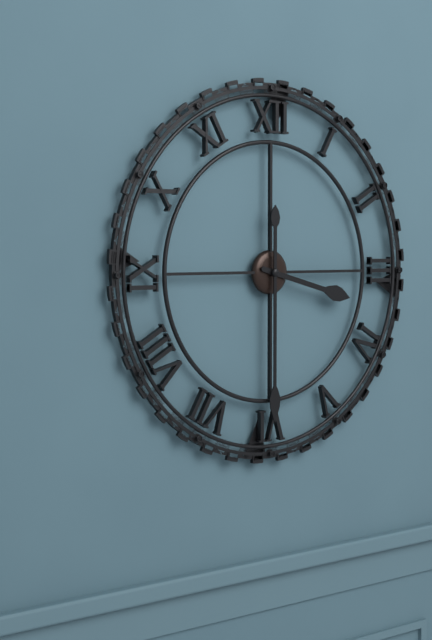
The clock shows h=3 m=30
